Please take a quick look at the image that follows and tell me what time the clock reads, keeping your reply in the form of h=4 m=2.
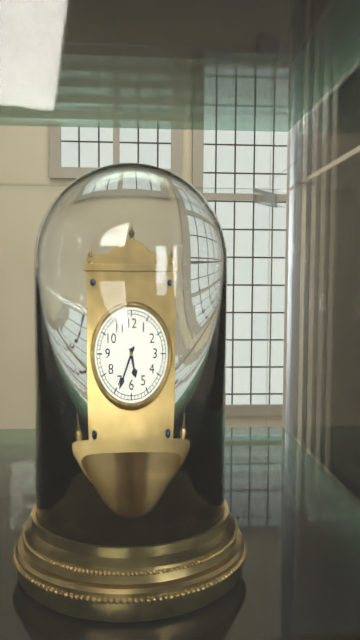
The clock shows h=5 m=34
